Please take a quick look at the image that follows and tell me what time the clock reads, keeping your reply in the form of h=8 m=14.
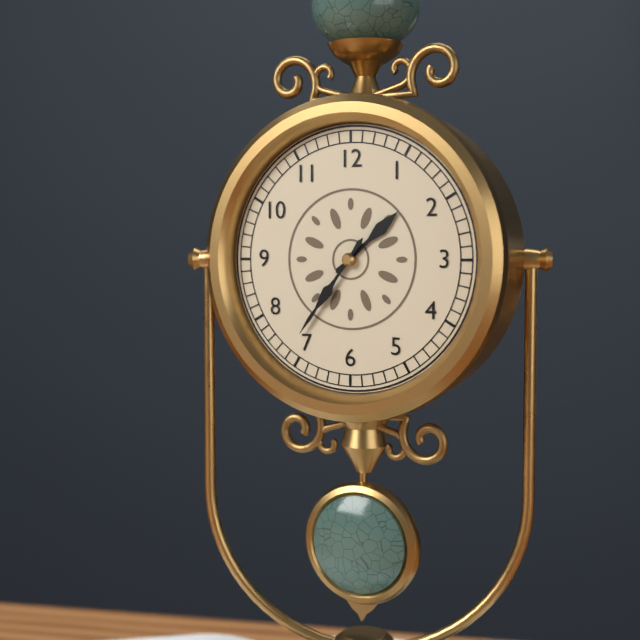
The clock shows h=1 m=36
